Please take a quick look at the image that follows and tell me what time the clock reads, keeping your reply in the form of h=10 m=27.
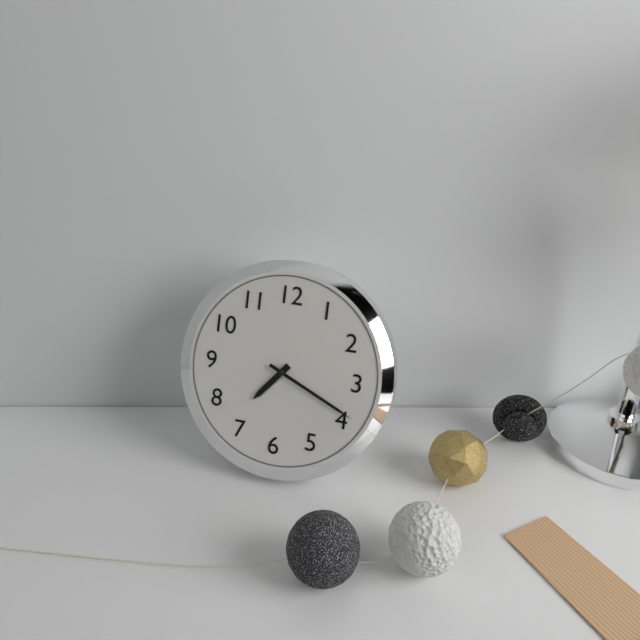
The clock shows h=7 m=19
